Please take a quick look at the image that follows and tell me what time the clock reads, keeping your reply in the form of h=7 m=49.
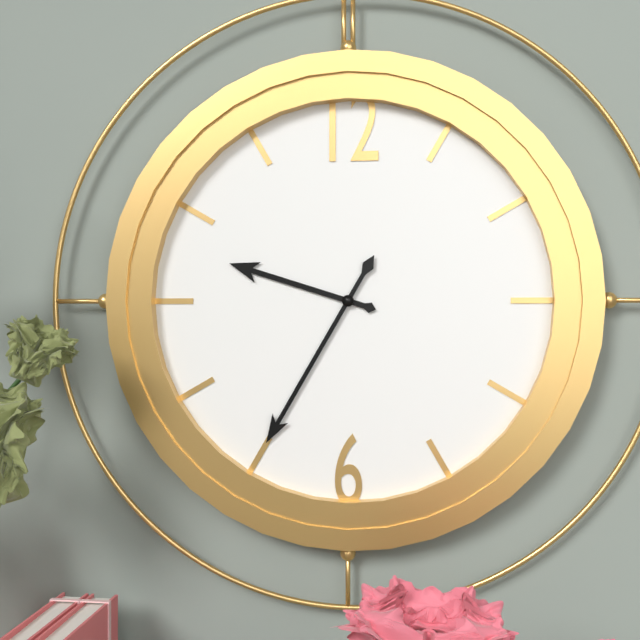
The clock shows h=9 m=35
